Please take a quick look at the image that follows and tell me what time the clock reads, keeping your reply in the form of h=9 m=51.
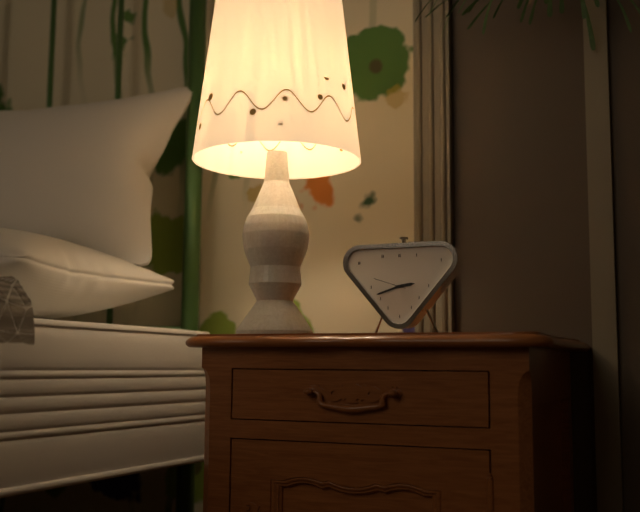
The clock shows h=2 m=42
